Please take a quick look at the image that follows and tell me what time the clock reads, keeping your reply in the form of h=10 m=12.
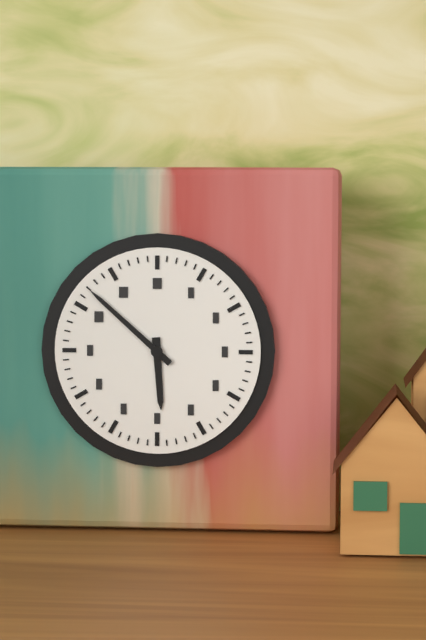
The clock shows h=5 m=52
